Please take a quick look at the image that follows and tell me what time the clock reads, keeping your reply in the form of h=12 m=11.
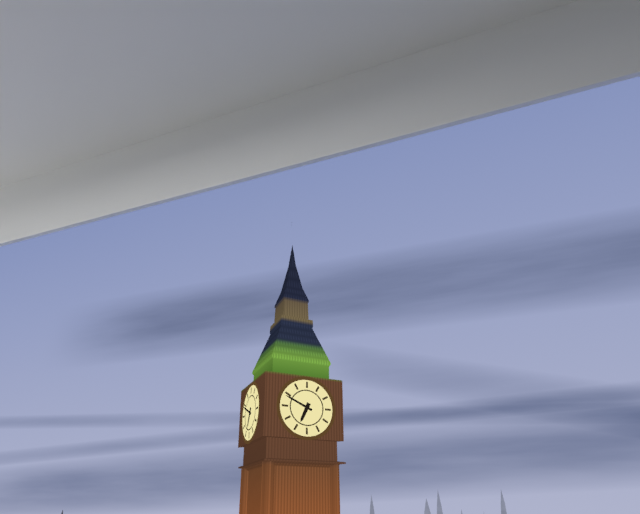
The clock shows h=6 m=49
